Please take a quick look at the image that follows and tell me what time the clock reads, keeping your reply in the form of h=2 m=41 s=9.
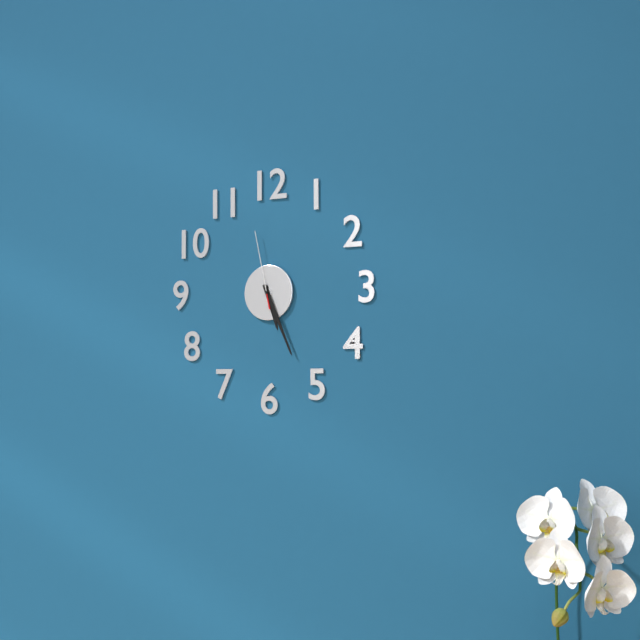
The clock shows h=5 m=26 s=58
